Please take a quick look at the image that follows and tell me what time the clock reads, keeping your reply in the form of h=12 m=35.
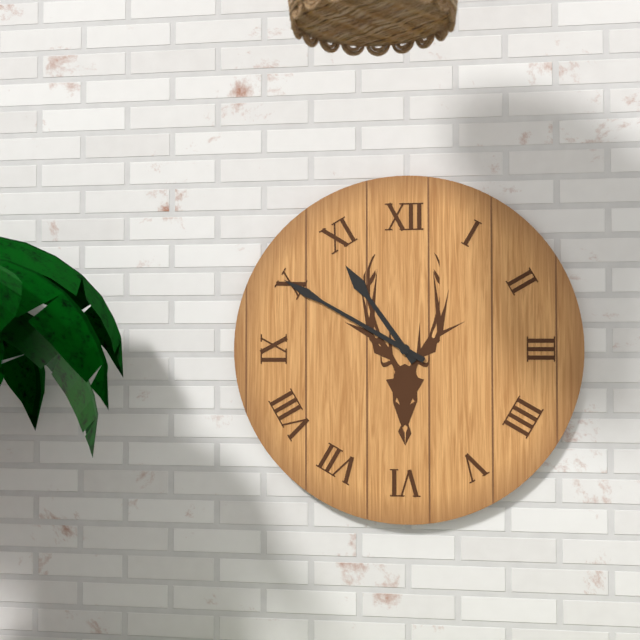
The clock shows h=10 m=50
